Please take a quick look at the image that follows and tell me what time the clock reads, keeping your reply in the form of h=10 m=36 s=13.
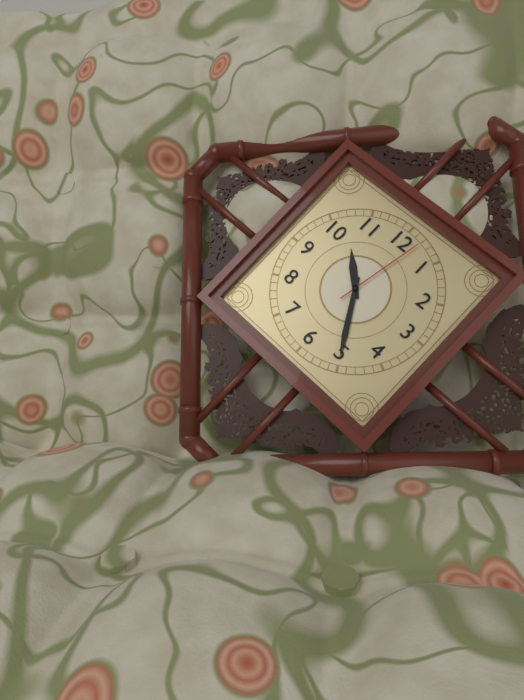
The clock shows h=10 m=25 s=2
